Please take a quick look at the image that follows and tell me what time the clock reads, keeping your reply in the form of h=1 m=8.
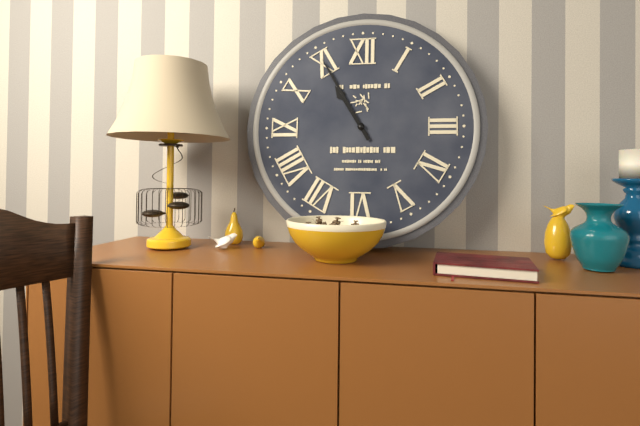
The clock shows h=10 m=55
